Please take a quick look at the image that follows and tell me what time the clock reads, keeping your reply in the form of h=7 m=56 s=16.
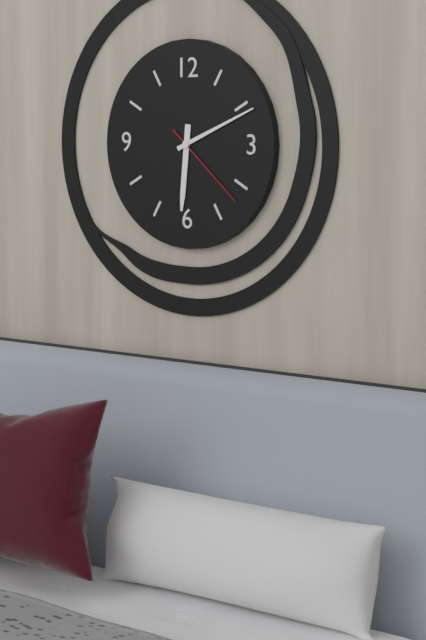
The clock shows h=6 m=11 s=22
